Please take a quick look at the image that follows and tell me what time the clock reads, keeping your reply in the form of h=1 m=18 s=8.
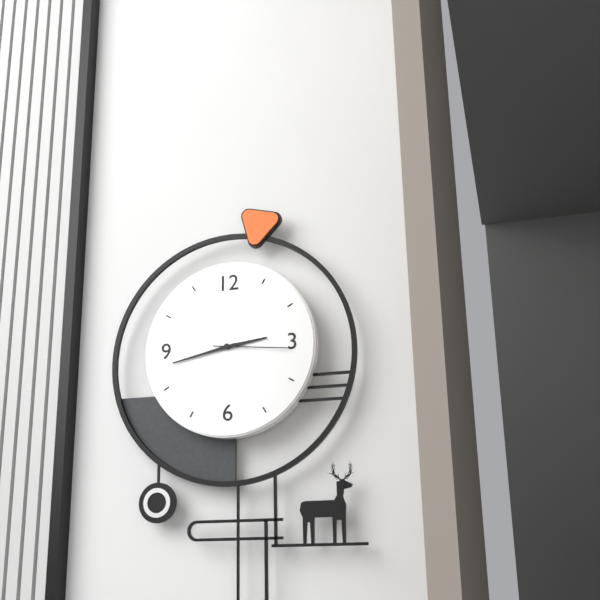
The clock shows h=2 m=43 s=16
